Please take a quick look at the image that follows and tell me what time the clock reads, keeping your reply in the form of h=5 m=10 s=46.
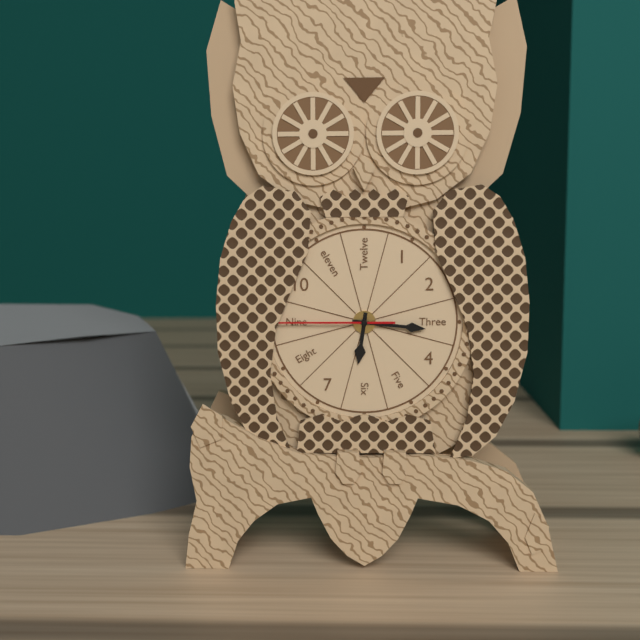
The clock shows h=6 m=16 s=45
